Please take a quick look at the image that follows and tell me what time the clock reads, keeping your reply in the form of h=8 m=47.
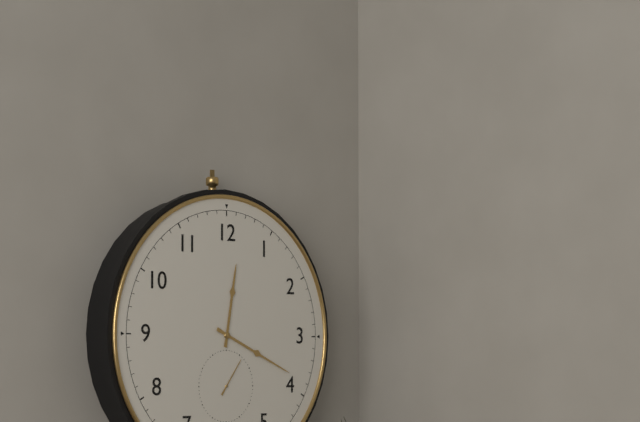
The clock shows h=12 m=19
